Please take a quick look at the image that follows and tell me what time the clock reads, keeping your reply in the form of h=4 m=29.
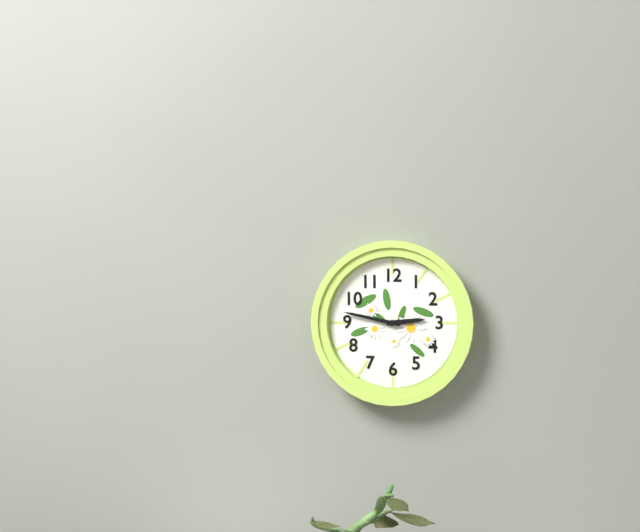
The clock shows h=2 m=47
